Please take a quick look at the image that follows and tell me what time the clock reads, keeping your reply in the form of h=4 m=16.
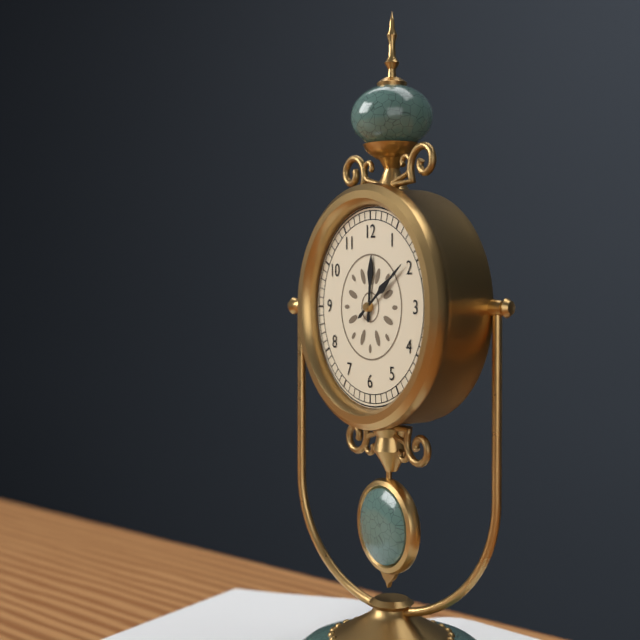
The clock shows h=12 m=9
